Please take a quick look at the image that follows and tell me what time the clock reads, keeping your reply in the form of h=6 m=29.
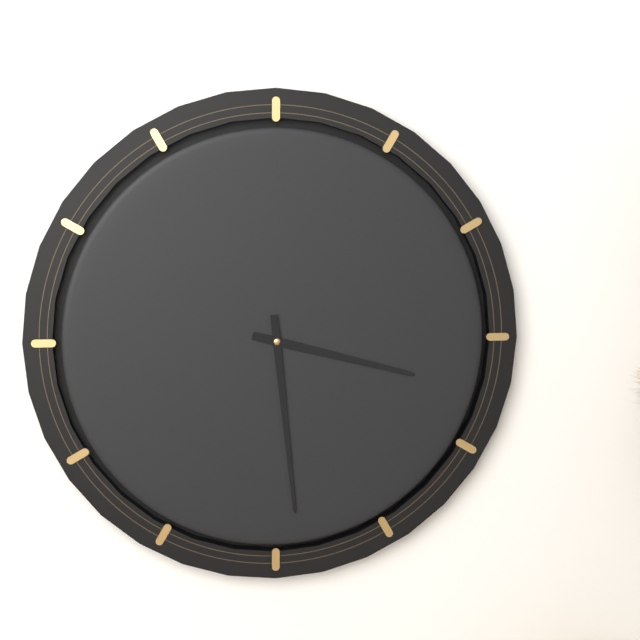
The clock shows h=3 m=29
